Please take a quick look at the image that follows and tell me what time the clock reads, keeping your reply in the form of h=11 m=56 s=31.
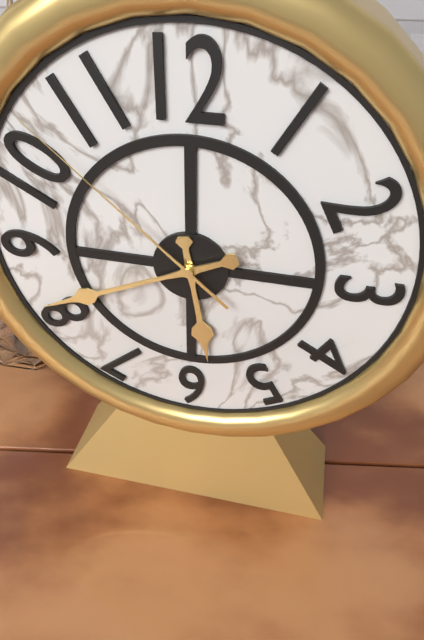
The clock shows h=5 m=41 s=52
